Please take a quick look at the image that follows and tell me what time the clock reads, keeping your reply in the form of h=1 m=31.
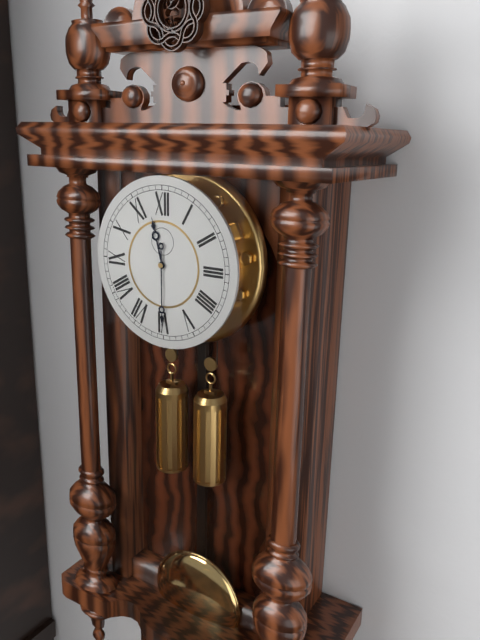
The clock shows h=11 m=30
